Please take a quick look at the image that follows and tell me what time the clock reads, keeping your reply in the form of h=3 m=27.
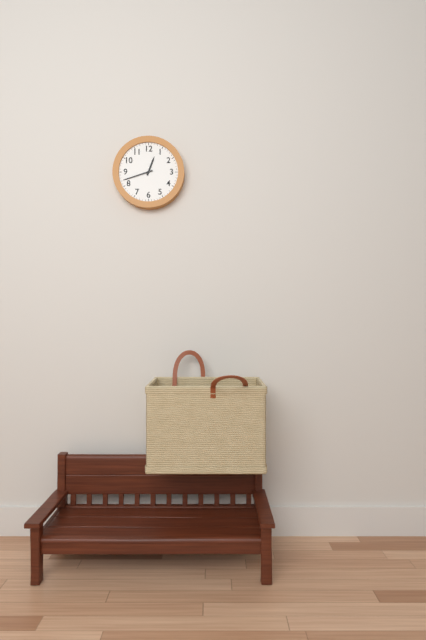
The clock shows h=12 m=42
